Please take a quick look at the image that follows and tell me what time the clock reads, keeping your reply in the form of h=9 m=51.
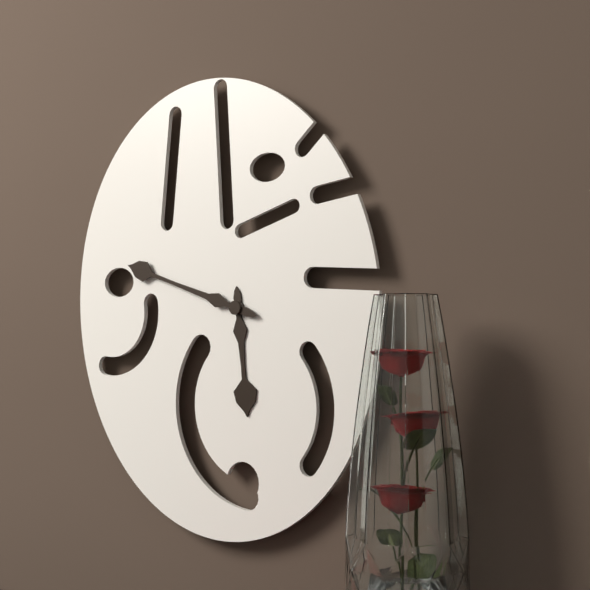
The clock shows h=5 m=48
